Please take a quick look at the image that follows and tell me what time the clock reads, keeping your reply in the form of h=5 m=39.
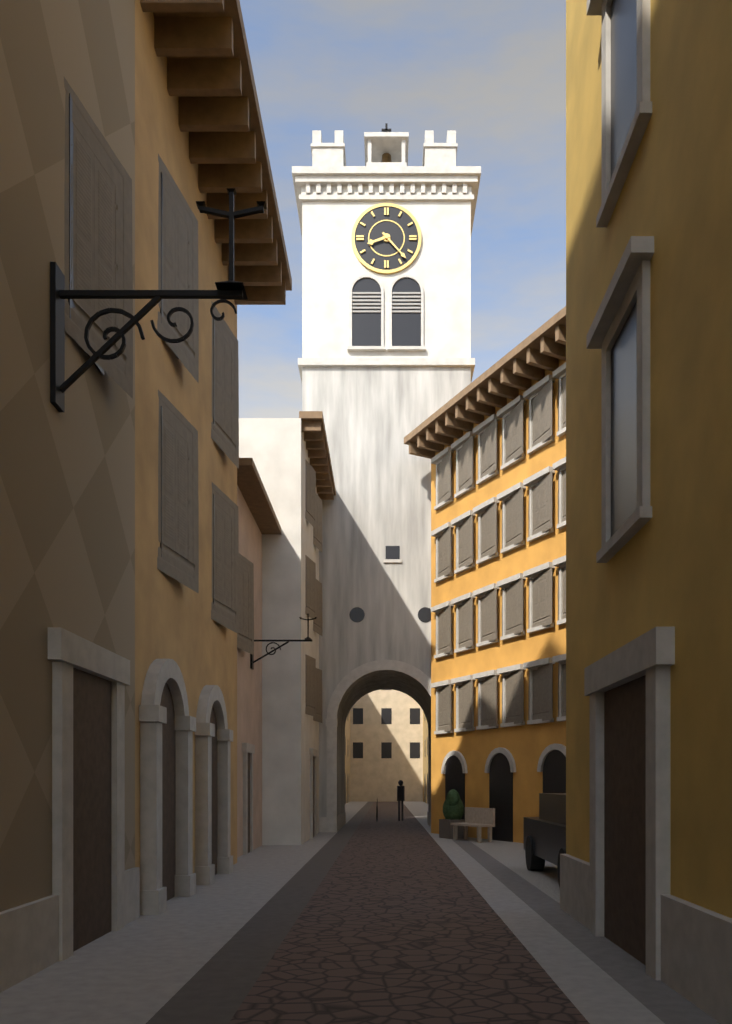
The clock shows h=8 m=23
